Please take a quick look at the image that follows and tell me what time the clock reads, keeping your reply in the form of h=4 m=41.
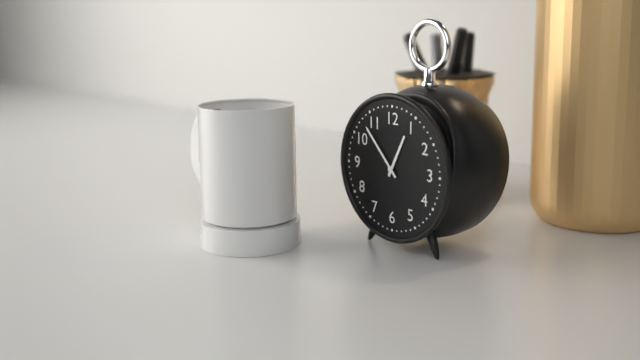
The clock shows h=12 m=53
